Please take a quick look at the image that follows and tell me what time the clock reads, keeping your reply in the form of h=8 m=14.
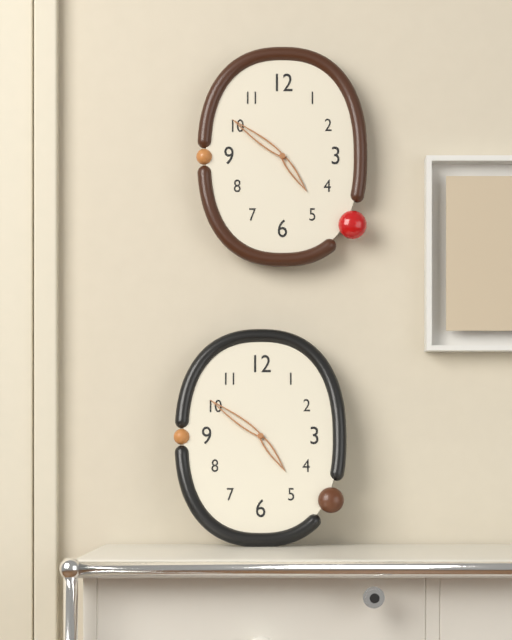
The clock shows h=4 m=51
